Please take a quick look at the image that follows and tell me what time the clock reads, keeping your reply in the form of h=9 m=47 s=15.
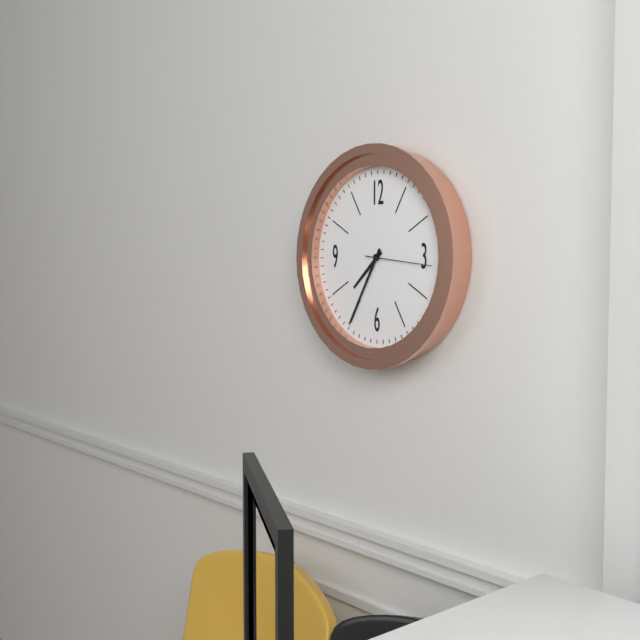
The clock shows h=7 m=35 s=16
